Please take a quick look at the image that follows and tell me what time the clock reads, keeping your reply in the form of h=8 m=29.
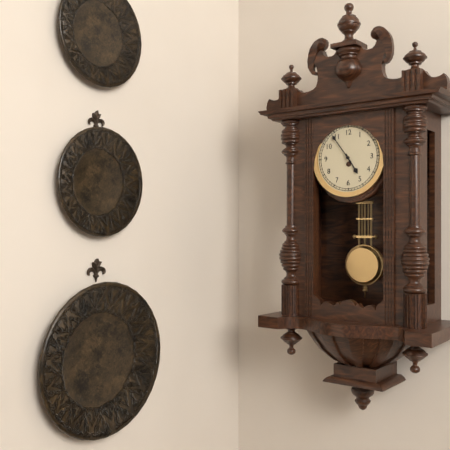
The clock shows h=4 m=54
